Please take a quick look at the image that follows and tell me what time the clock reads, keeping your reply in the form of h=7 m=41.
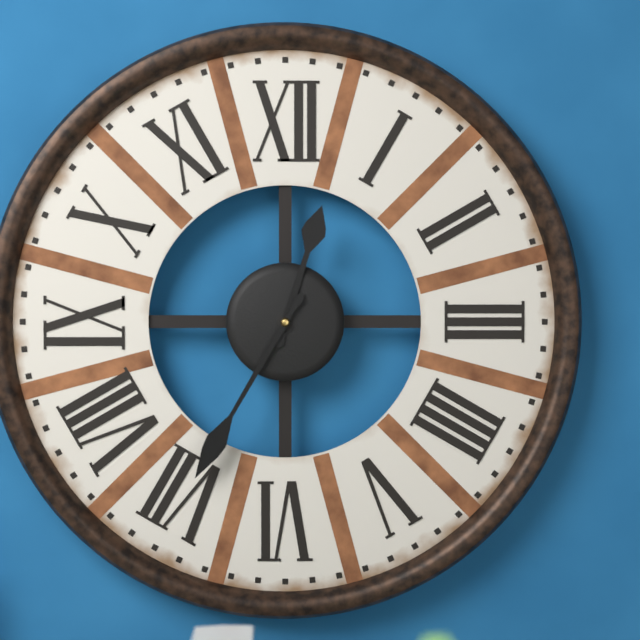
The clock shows h=12 m=35
